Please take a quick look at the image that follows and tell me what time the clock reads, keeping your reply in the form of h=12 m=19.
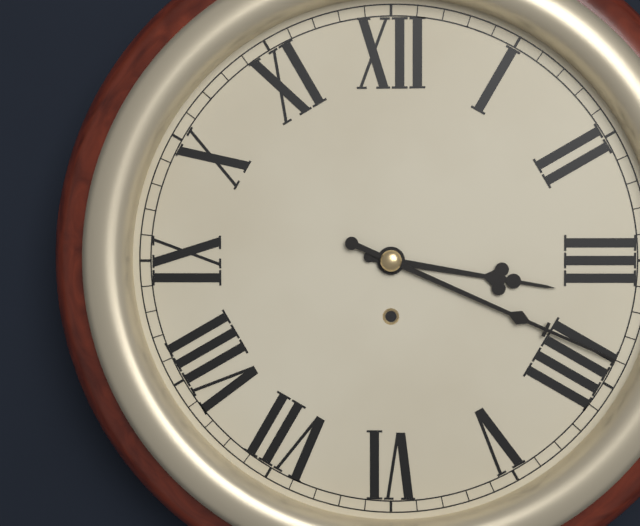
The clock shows h=3 m=19
